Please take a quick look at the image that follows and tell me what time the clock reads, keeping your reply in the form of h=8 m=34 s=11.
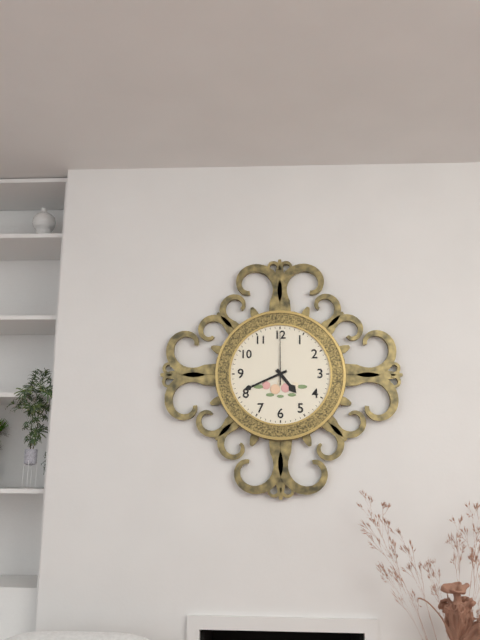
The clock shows h=4 m=41 s=0
